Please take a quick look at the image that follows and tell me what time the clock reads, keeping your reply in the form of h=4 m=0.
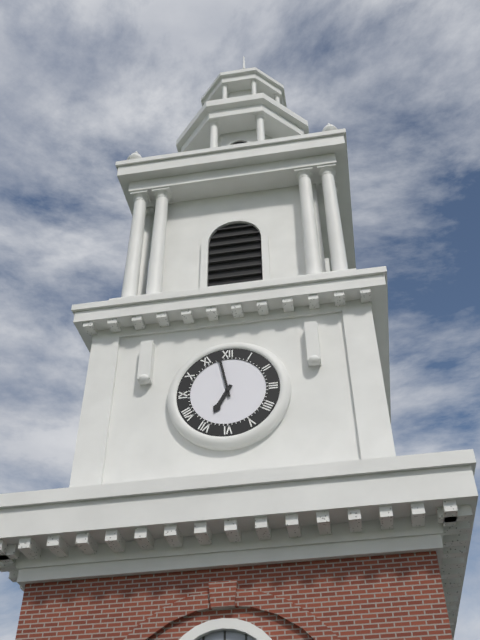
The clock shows h=6 m=58
